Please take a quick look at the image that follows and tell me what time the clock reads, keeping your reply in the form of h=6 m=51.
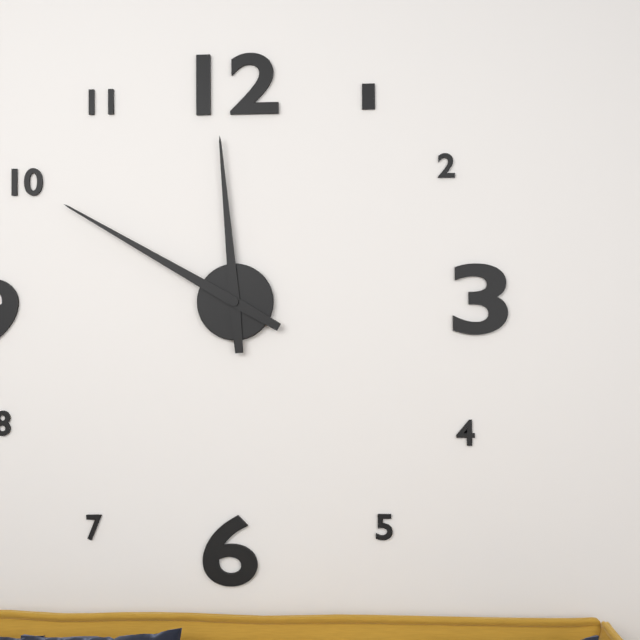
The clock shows h=11 m=50
